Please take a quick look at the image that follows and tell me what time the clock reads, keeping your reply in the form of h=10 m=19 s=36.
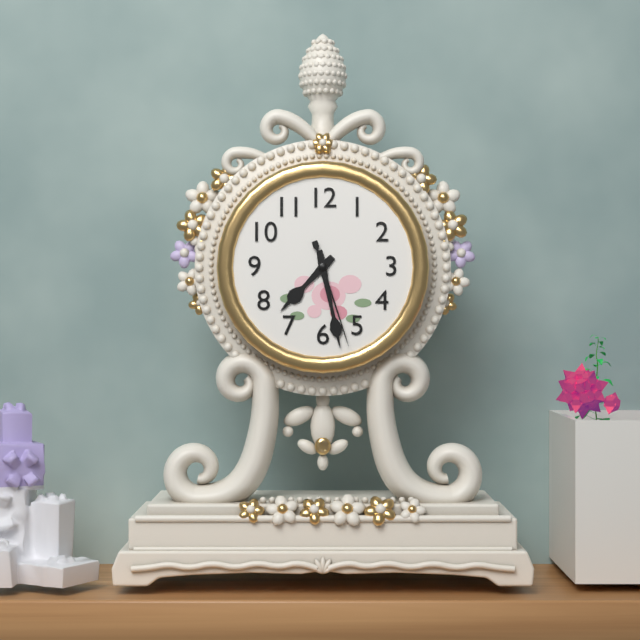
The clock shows h=7 m=28 s=27
